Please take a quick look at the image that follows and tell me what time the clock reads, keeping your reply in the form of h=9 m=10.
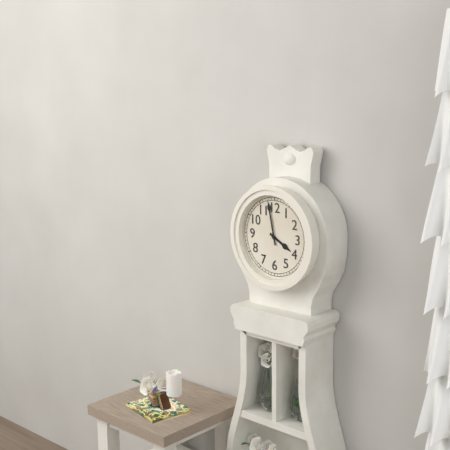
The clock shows h=3 m=58
